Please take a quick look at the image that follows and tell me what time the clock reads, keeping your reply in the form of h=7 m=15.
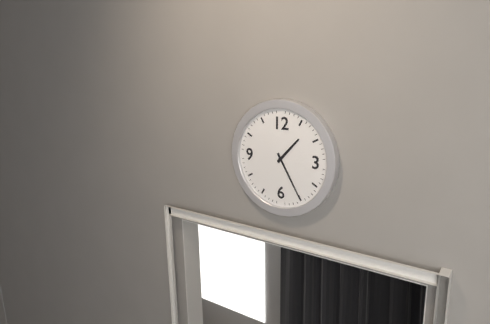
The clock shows h=1 m=25
